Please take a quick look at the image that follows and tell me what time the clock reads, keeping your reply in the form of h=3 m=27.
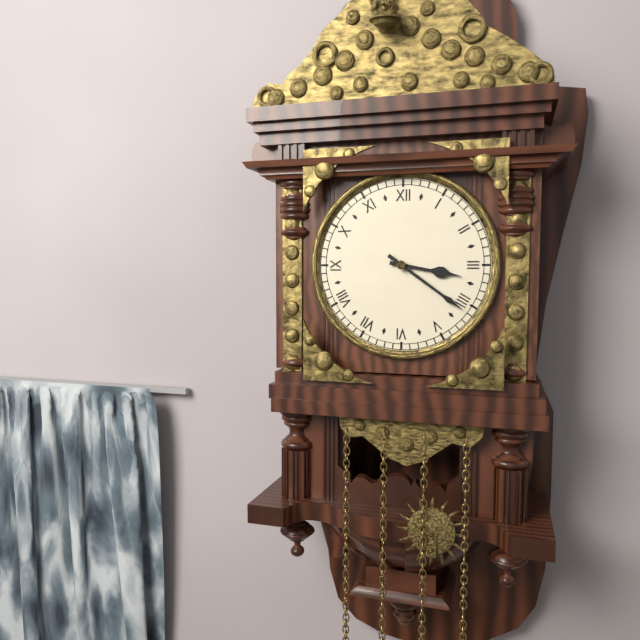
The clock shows h=3 m=21
